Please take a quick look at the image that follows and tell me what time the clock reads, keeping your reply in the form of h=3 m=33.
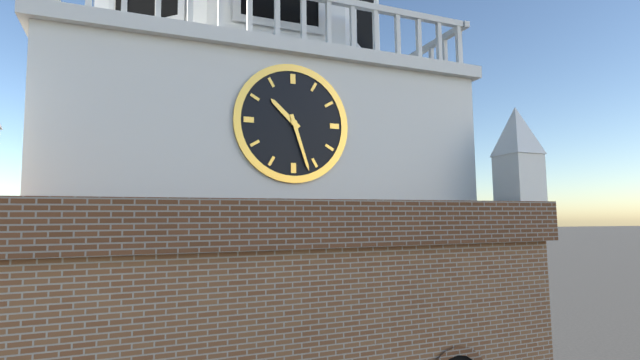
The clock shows h=10 m=27
